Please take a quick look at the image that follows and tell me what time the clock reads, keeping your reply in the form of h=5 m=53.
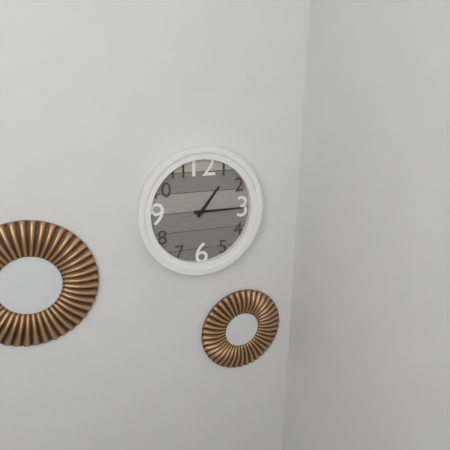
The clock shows h=1 m=15
